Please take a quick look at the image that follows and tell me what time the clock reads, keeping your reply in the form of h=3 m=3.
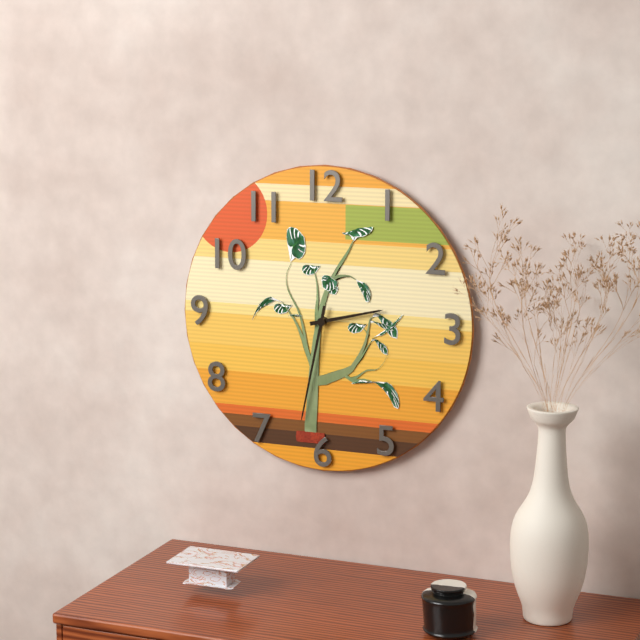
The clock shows h=2 m=32
